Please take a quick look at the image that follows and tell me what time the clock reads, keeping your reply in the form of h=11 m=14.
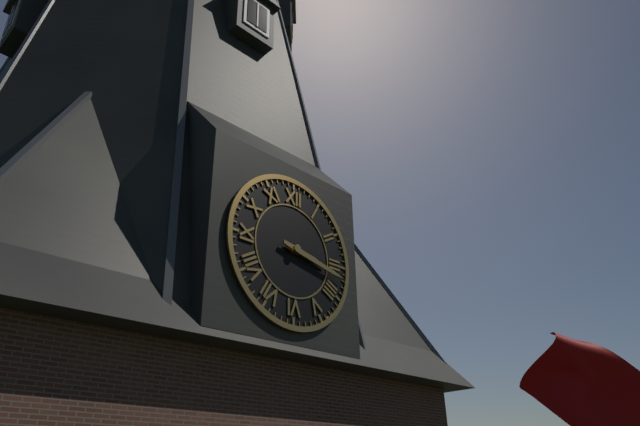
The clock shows h=3 m=17
